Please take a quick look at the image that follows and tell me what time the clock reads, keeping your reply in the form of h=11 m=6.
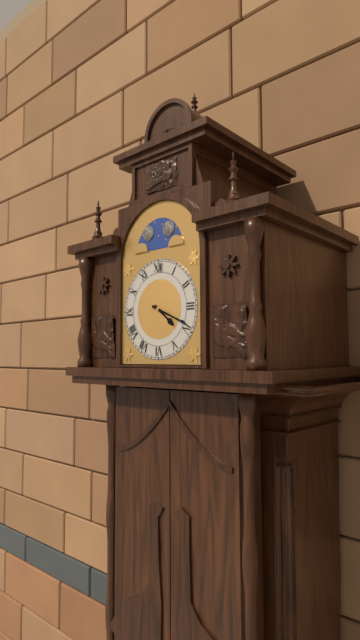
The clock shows h=4 m=19
